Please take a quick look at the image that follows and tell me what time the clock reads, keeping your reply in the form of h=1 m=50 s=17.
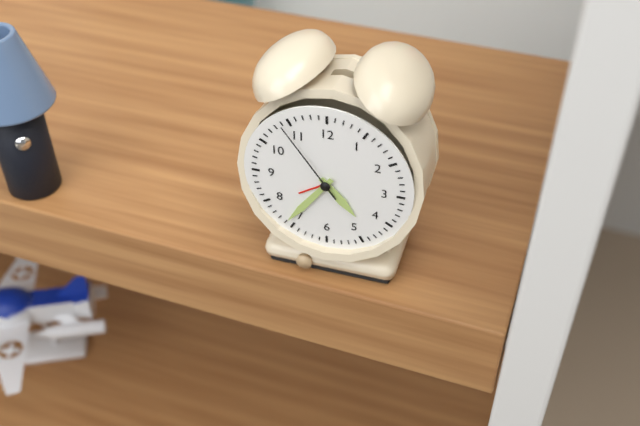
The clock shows h=4 m=36 s=54
